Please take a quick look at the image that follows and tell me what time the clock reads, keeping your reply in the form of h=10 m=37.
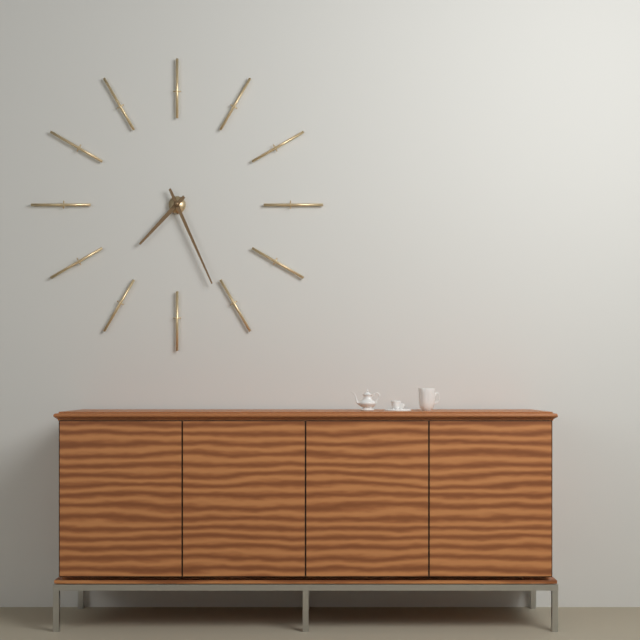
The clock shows h=7 m=26
